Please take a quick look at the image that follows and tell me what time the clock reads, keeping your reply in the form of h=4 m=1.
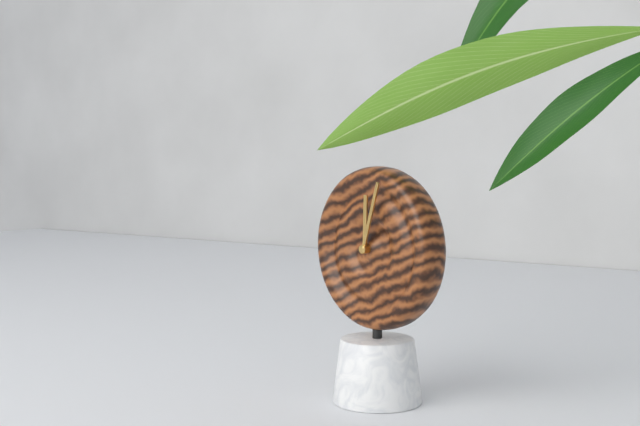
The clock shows h=12 m=3
